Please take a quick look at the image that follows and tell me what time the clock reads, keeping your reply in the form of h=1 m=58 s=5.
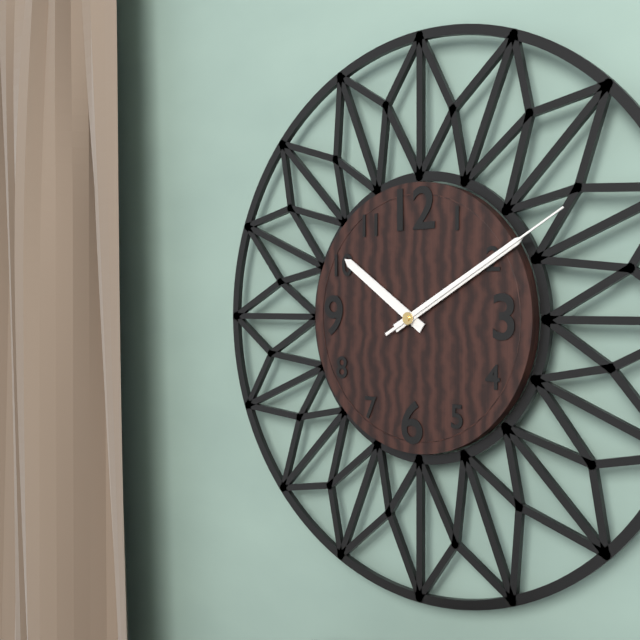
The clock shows h=10 m=10 s=10
